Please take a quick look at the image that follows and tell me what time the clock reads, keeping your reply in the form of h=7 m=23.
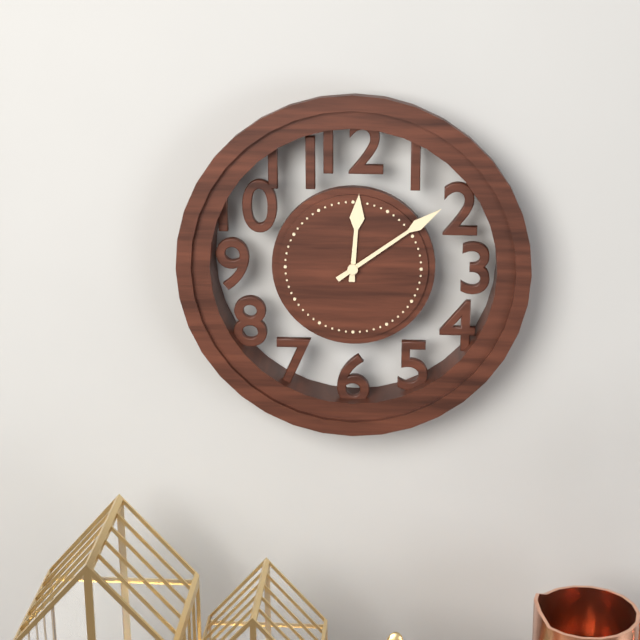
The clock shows h=12 m=9
